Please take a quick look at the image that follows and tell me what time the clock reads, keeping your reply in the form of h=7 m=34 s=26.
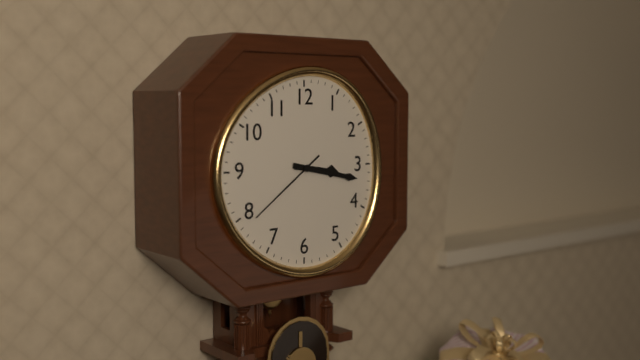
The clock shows h=3 m=17 s=39
